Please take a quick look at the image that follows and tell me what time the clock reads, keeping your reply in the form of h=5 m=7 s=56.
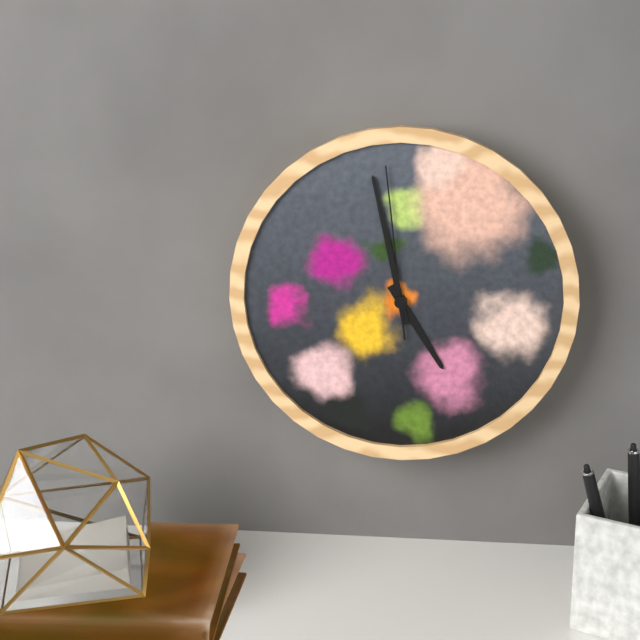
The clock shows h=4 m=58 s=59
